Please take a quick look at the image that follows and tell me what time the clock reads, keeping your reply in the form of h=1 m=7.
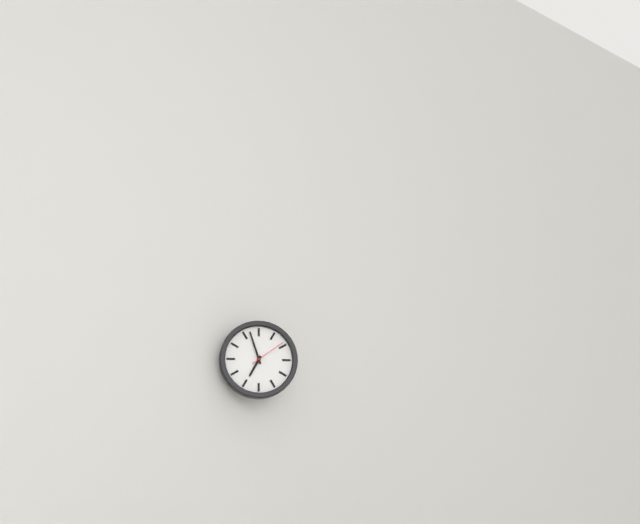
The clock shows h=6 m=57
